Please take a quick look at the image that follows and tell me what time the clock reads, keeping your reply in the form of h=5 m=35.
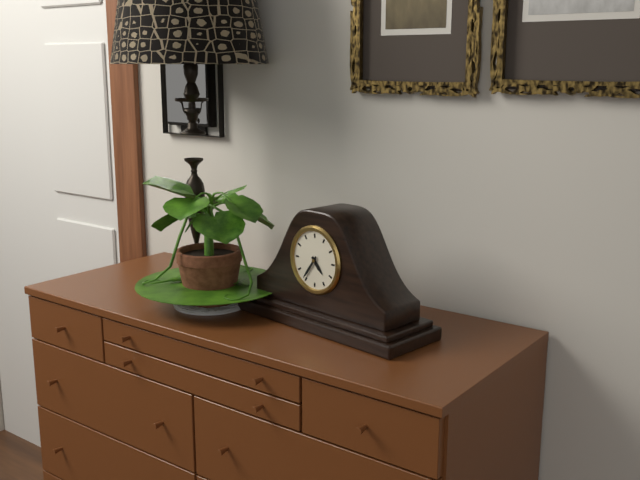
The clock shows h=4 m=36
